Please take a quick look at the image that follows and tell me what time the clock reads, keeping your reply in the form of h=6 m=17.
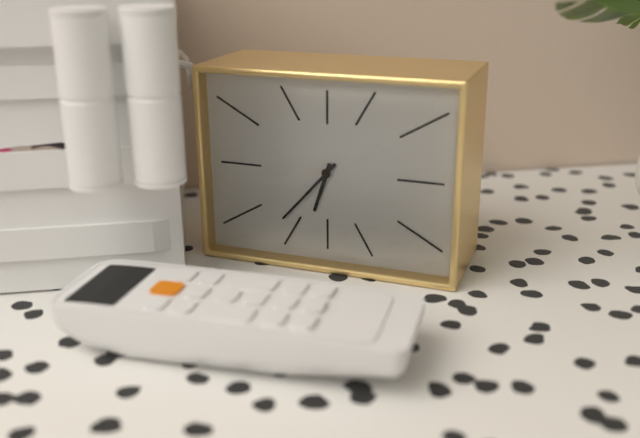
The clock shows h=6 m=37
